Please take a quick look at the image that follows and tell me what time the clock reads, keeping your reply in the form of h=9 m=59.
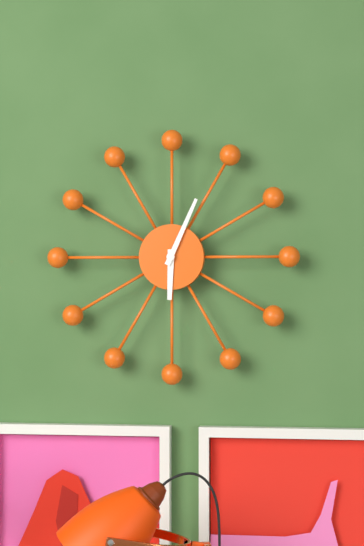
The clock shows h=6 m=4
